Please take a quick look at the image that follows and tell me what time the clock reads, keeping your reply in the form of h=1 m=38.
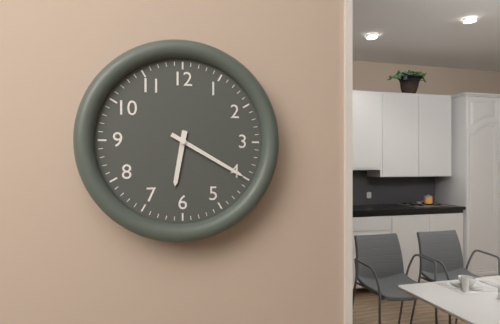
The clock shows h=6 m=20
